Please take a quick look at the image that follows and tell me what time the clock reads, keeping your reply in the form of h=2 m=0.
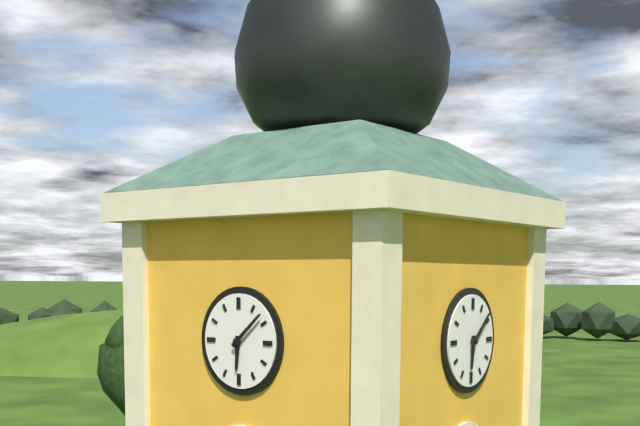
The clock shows h=6 m=8
